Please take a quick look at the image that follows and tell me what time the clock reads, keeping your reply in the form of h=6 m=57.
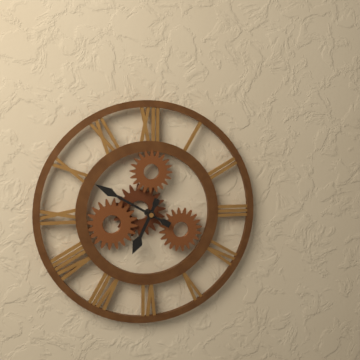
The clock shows h=6 m=50
